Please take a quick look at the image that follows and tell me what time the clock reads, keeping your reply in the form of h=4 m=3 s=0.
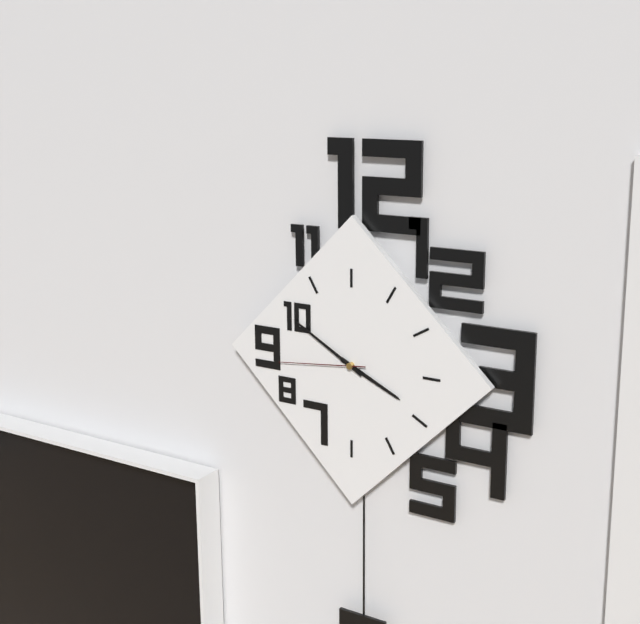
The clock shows h=3 m=50 s=44
